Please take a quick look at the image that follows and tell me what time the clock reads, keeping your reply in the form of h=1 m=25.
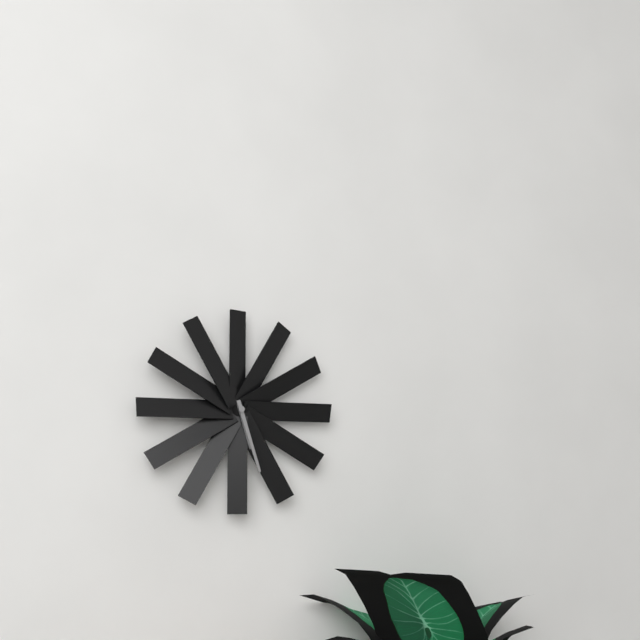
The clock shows h=5 m=27
